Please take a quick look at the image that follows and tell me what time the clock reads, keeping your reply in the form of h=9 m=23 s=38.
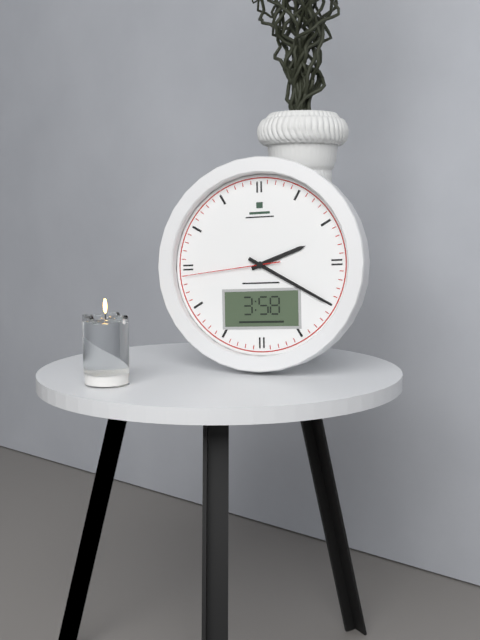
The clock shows h=2 m=20 s=44
